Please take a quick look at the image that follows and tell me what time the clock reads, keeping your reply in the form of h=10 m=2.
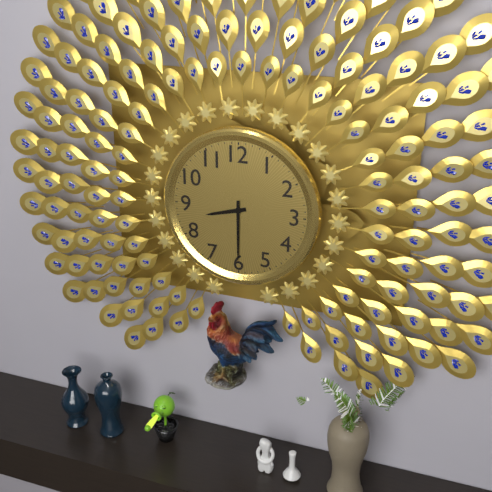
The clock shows h=8 m=30
